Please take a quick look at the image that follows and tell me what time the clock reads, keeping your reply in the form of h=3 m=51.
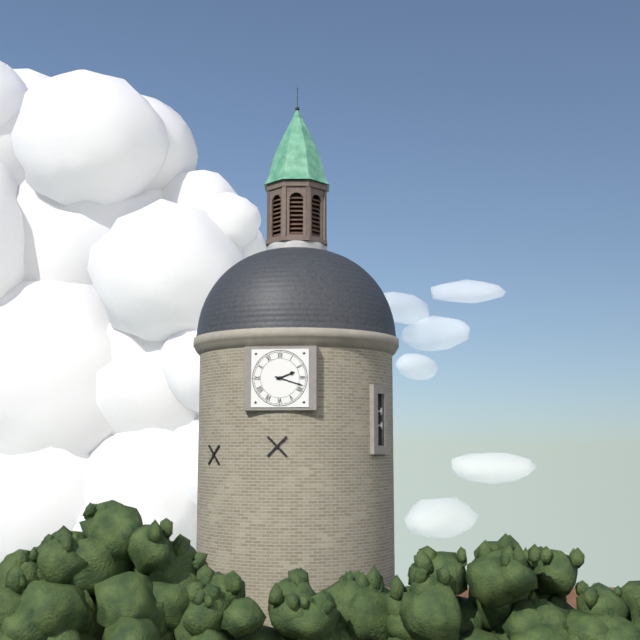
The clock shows h=2 m=18
